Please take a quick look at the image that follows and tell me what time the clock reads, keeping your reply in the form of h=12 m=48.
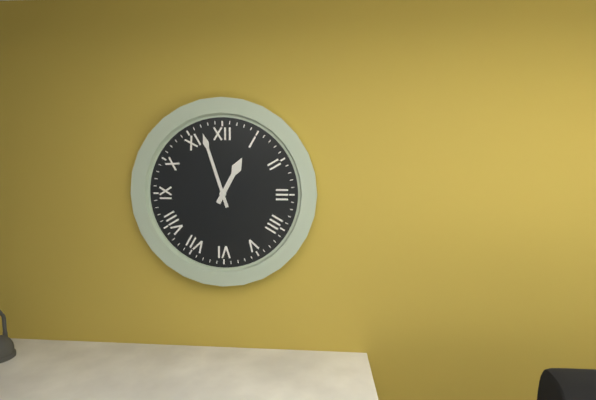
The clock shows h=12 m=57
